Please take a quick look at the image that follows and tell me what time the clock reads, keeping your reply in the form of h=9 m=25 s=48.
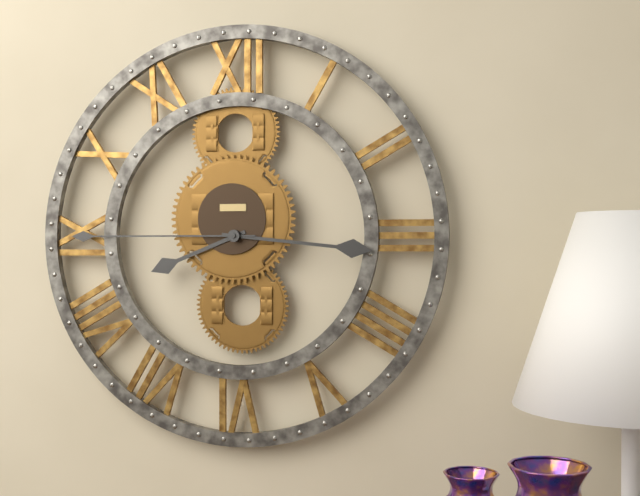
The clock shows h=8 m=16 s=45
